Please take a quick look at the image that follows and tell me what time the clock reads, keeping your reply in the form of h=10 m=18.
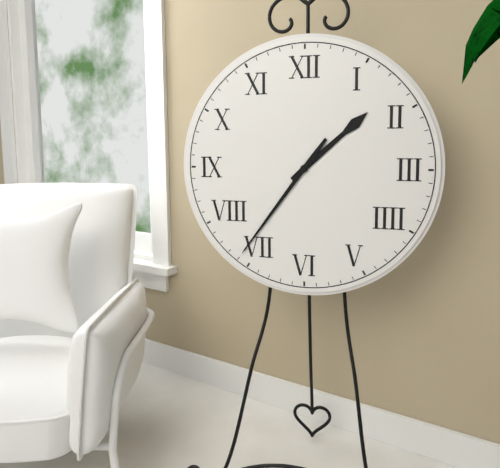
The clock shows h=1 m=36
